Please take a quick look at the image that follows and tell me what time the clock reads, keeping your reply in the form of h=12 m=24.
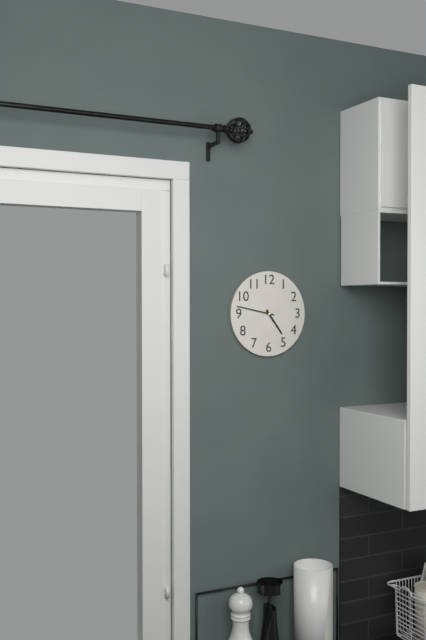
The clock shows h=4 m=47
